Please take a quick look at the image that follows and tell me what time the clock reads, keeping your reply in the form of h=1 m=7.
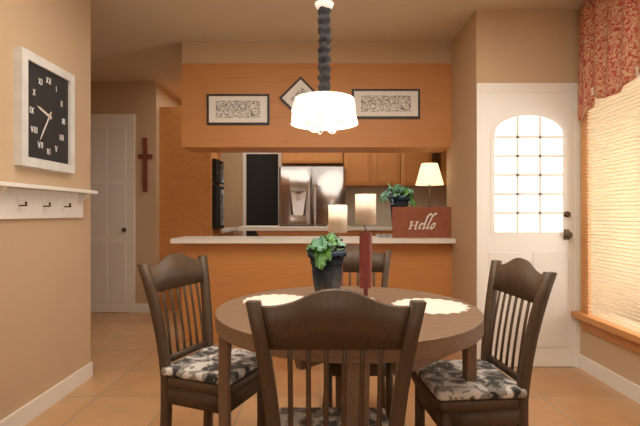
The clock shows h=9 m=35
